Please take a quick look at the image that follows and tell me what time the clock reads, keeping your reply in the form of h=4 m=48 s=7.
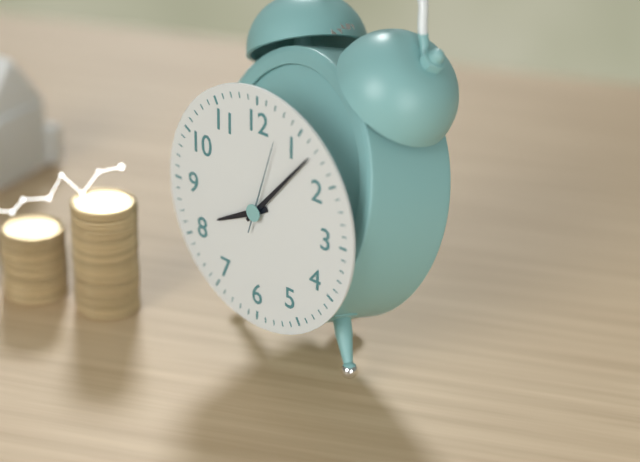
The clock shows h=8 m=7 s=3
